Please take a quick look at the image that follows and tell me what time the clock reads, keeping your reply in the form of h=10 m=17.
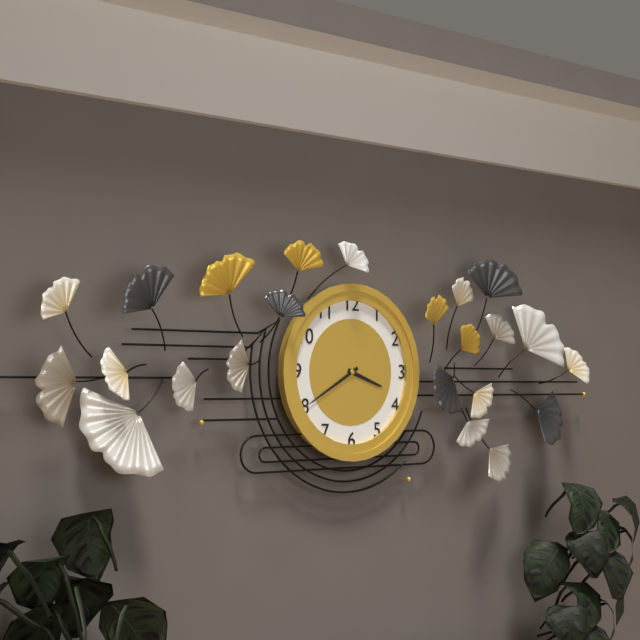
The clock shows h=3 m=40
